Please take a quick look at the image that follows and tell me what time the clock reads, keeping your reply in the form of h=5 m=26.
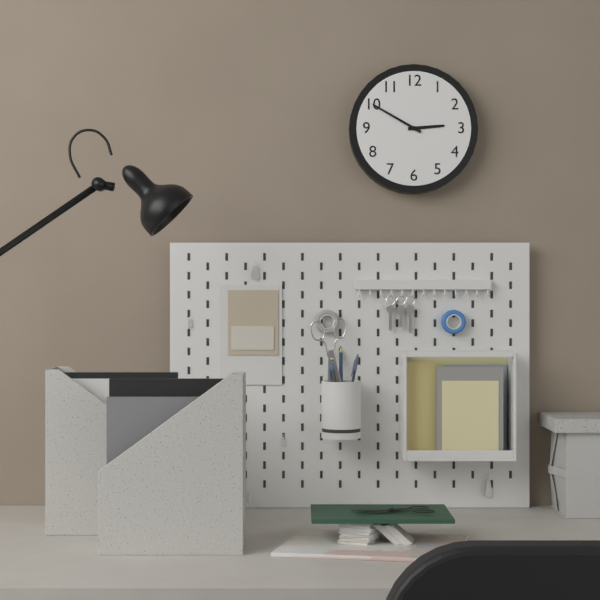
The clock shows h=2 m=50
